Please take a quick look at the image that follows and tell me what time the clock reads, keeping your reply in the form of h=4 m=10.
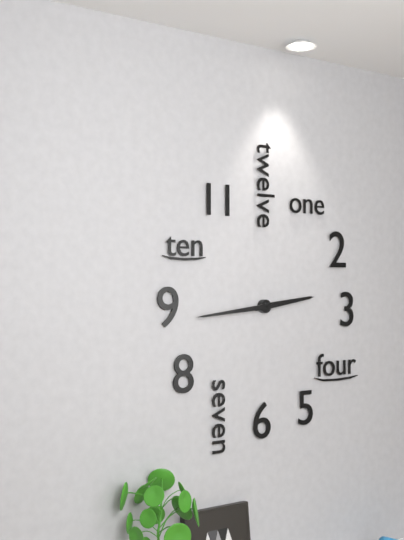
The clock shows h=2 m=44
